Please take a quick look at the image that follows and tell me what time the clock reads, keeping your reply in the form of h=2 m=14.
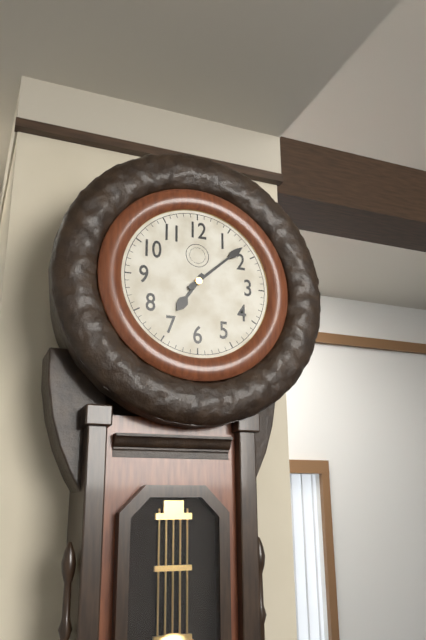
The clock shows h=7 m=8
